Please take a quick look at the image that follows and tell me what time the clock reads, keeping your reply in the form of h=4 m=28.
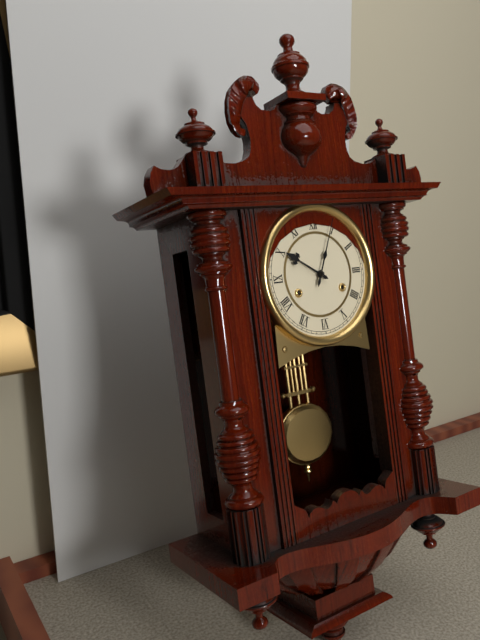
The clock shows h=10 m=4
